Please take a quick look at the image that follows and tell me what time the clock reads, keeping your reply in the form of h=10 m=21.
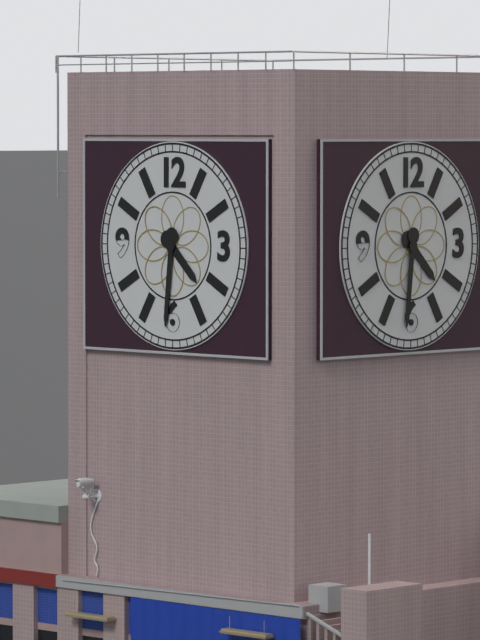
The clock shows h=4 m=31
